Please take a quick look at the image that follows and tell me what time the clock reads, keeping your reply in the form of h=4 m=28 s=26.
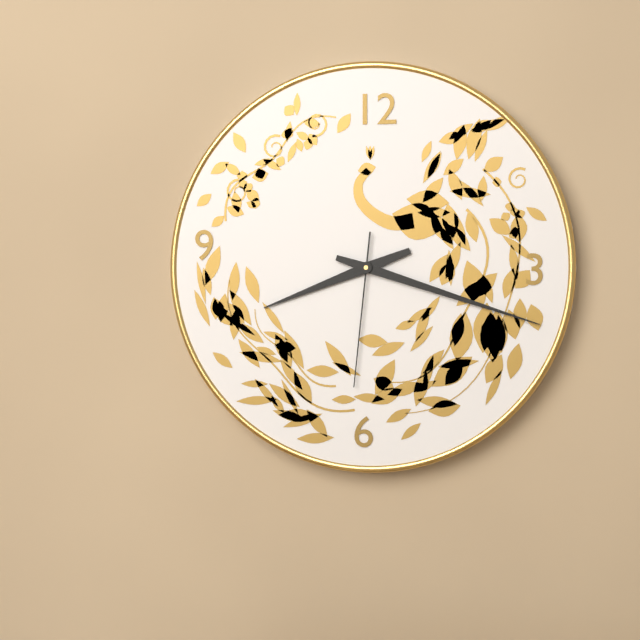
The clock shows h=8 m=18 s=31
